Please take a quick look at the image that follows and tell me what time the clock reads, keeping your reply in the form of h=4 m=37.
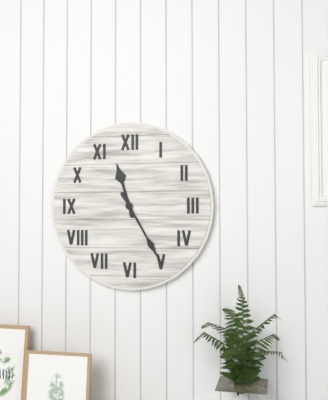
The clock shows h=11 m=25
